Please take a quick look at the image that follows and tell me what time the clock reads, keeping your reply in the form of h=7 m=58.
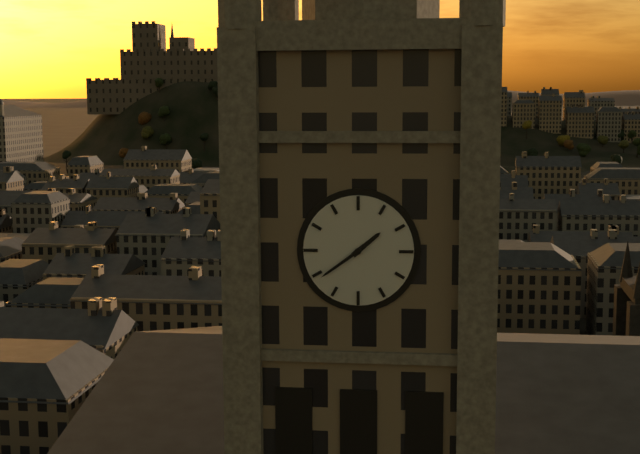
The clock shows h=1 m=39
